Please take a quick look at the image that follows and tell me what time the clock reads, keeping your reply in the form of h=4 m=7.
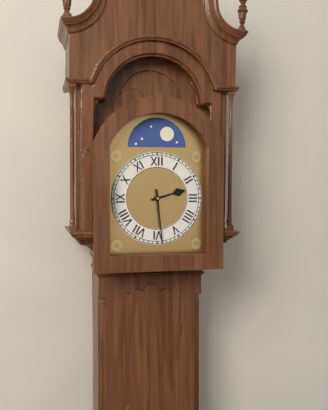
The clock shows h=2 m=29
